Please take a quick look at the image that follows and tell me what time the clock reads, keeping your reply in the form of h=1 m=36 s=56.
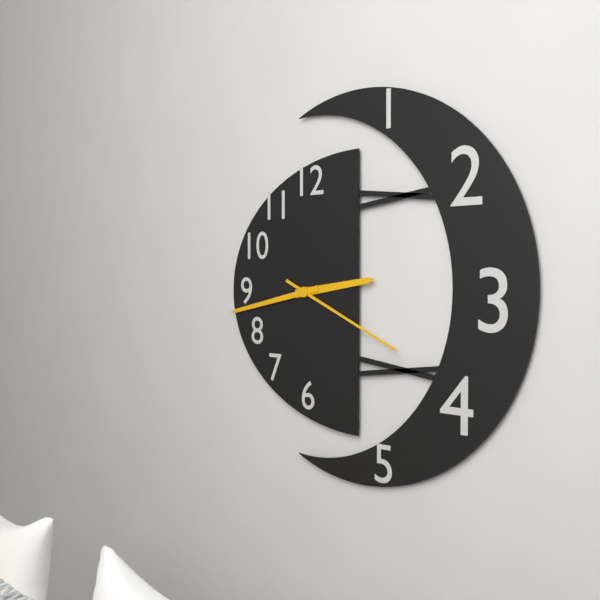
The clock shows h=2 m=43 s=19
